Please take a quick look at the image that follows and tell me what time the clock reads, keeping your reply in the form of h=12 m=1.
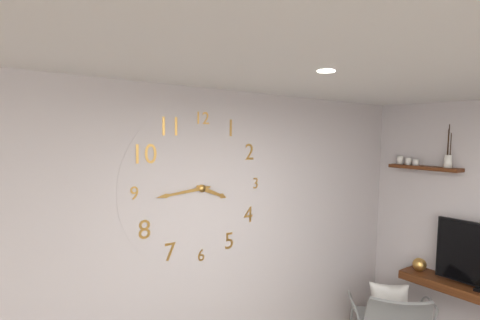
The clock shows h=3 m=44
